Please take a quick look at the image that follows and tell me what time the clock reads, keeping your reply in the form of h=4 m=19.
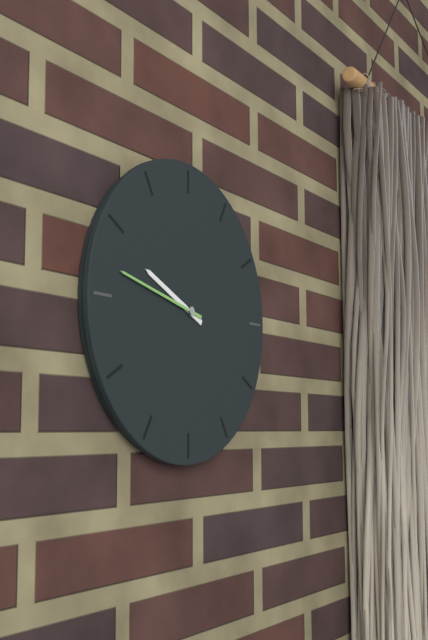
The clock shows h=9 m=47
